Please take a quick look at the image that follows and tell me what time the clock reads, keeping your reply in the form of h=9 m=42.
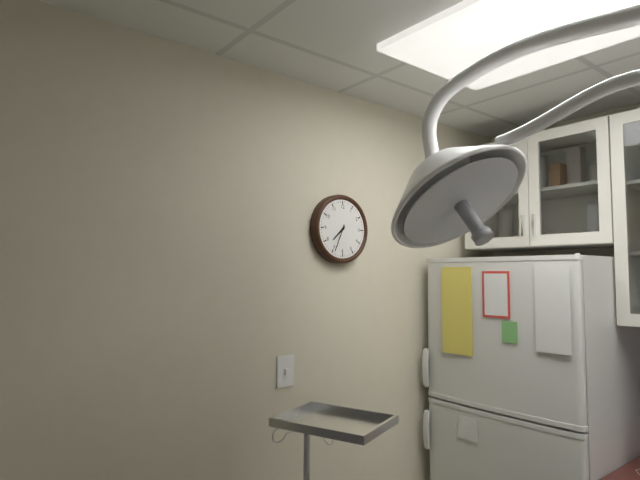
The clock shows h=7 m=34
